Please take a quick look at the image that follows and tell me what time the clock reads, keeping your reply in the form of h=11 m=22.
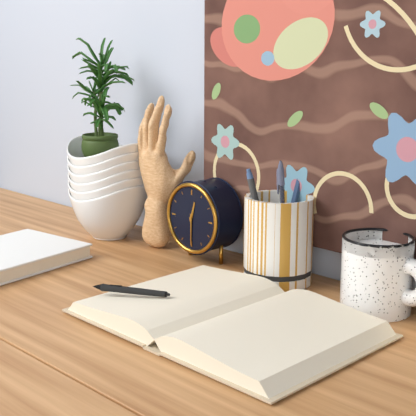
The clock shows h=12 m=30
